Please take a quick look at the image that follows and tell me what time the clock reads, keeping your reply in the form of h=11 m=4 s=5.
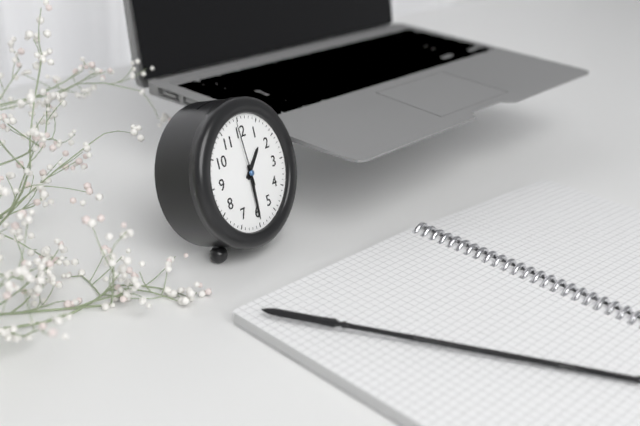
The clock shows h=1 m=30 s=59
